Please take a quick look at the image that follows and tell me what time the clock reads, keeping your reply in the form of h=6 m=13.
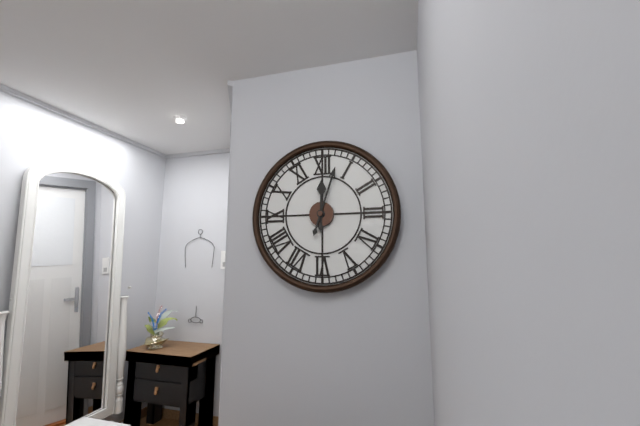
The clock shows h=12 m=3
